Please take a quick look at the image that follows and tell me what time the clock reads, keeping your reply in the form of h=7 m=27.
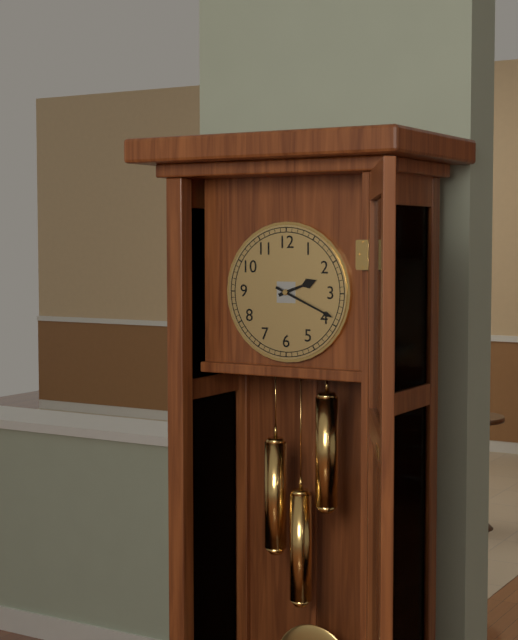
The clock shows h=2 m=19
